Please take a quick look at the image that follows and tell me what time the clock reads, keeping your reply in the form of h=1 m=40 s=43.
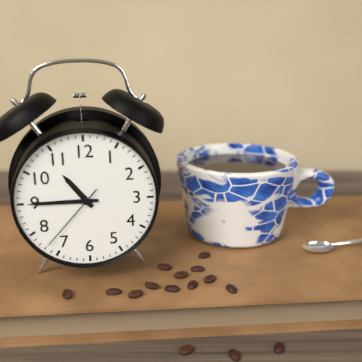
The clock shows h=10 m=45 s=37
